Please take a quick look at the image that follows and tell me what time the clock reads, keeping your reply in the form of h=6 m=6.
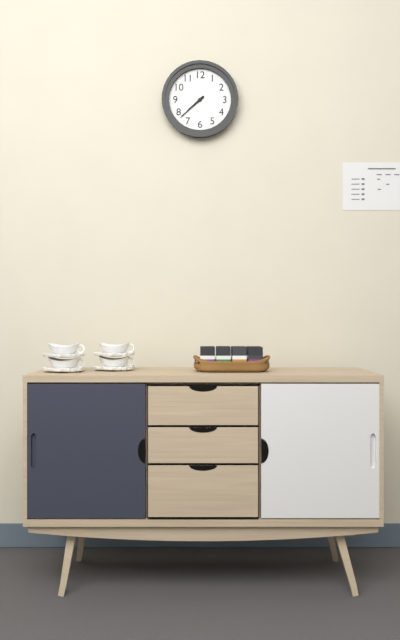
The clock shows h=7 m=38
